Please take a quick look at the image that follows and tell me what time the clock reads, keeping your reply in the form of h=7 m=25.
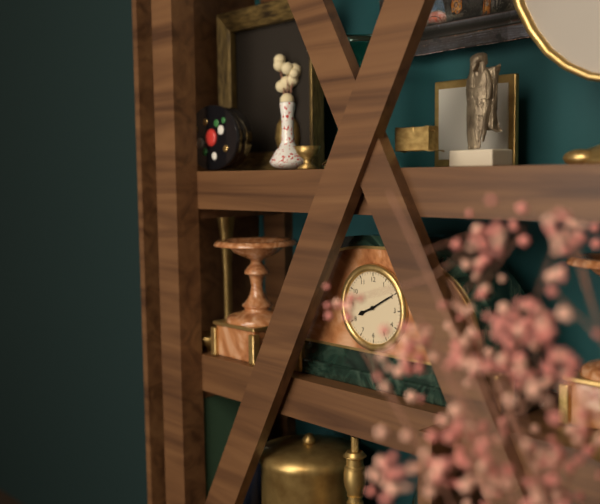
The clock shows h=8 m=10
